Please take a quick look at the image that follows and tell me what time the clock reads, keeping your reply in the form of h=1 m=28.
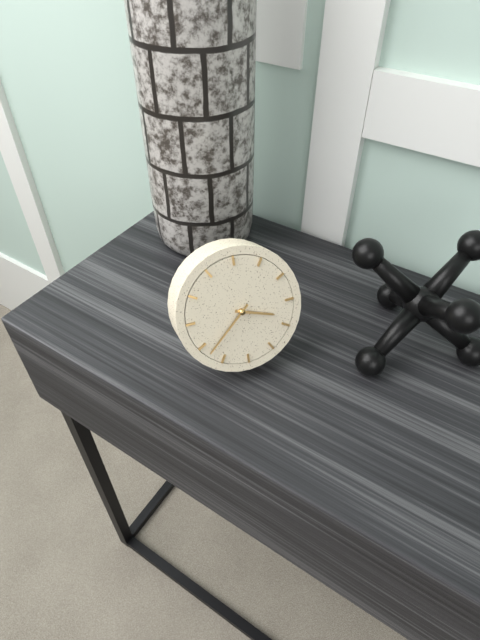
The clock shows h=3 m=38
